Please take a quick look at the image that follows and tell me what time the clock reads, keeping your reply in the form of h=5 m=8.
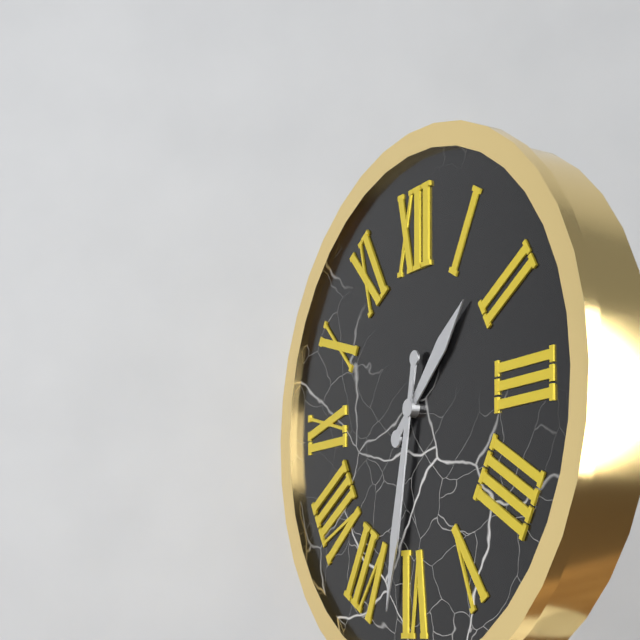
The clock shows h=1 m=32
